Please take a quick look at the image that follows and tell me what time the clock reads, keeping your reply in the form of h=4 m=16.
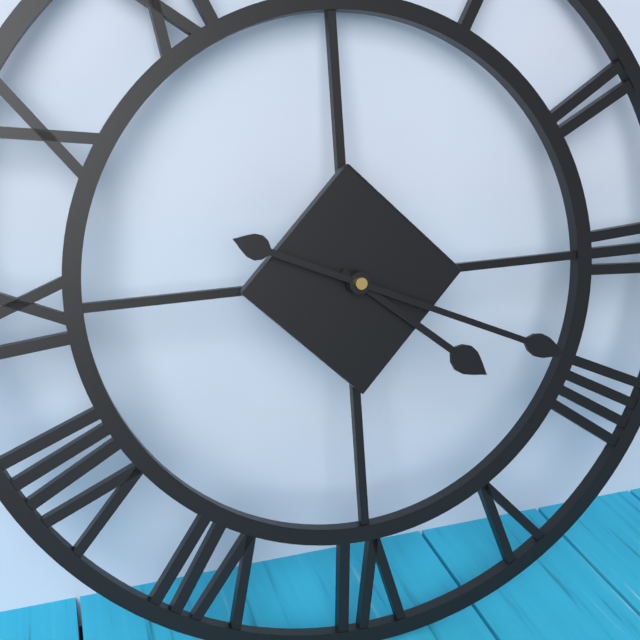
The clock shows h=4 m=19
